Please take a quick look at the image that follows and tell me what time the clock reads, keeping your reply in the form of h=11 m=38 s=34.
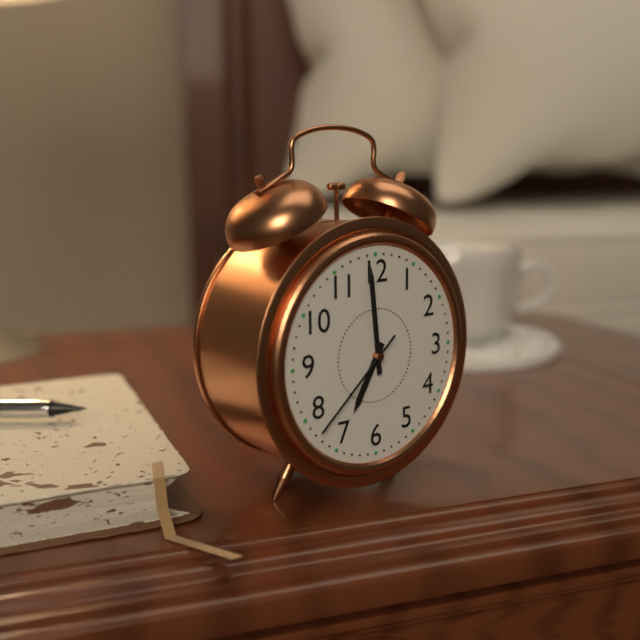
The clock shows h=6 m=59 s=38
